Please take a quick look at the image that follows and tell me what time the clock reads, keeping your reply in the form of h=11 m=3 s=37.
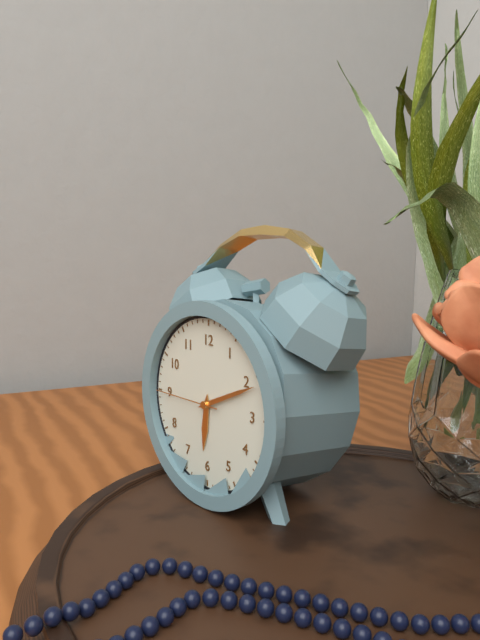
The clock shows h=6 m=11 s=45
